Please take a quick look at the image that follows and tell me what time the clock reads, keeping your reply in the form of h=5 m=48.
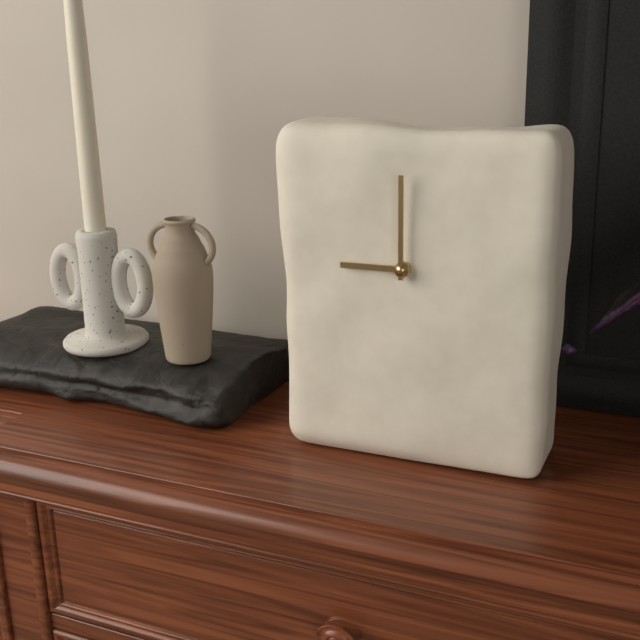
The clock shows h=9 m=0
